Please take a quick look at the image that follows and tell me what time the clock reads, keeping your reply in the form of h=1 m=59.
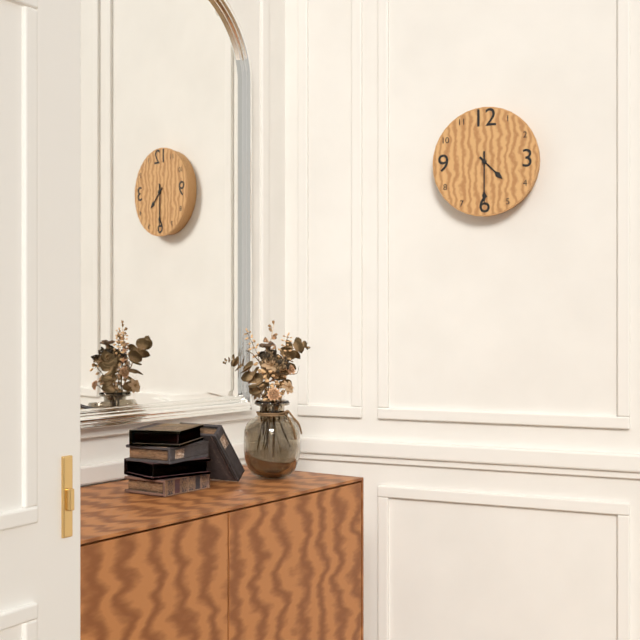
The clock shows h=4 m=30
